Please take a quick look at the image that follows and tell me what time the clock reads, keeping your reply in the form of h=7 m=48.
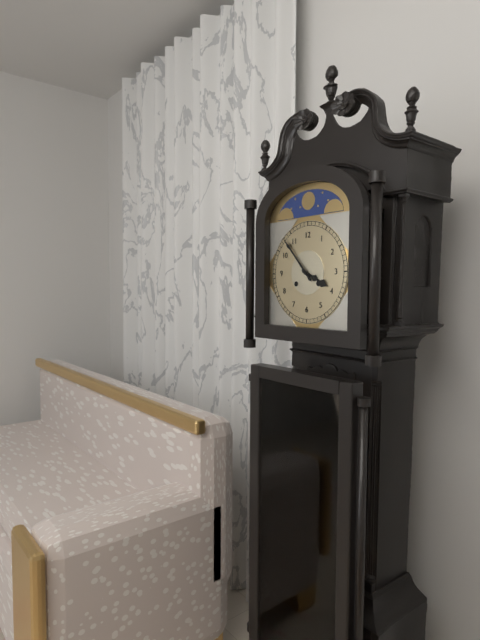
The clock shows h=3 m=53
